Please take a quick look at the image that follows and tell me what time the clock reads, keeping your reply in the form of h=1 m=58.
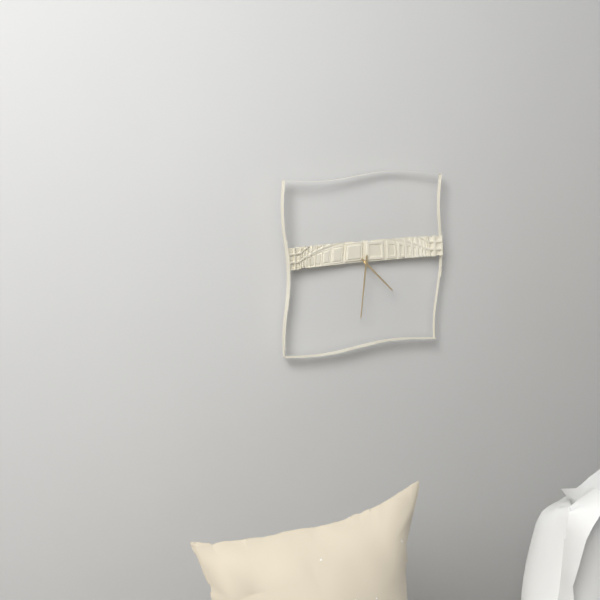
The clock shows h=4 m=31
